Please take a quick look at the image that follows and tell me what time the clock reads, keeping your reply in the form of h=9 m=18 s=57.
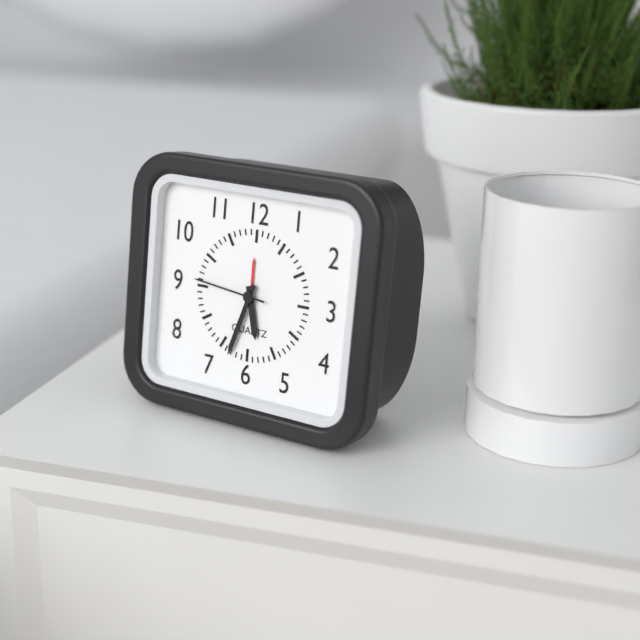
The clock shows h=5 m=33 s=46
